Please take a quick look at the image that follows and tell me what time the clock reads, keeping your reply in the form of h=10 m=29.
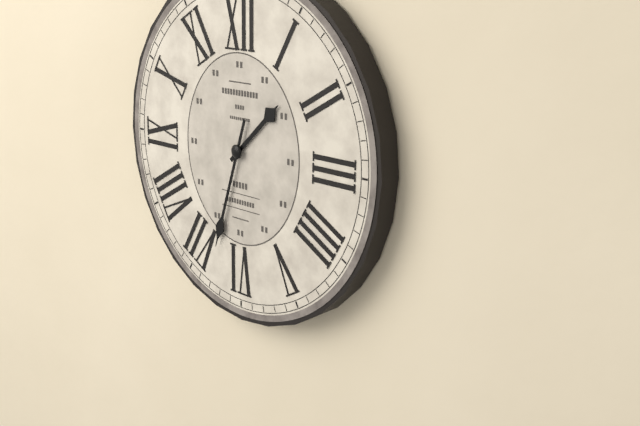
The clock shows h=1 m=33
